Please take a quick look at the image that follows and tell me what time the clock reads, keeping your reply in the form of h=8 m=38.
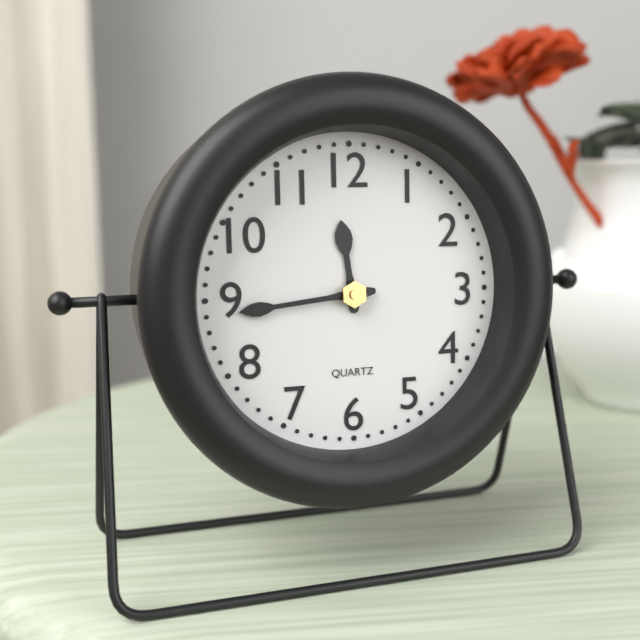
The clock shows h=11 m=44
